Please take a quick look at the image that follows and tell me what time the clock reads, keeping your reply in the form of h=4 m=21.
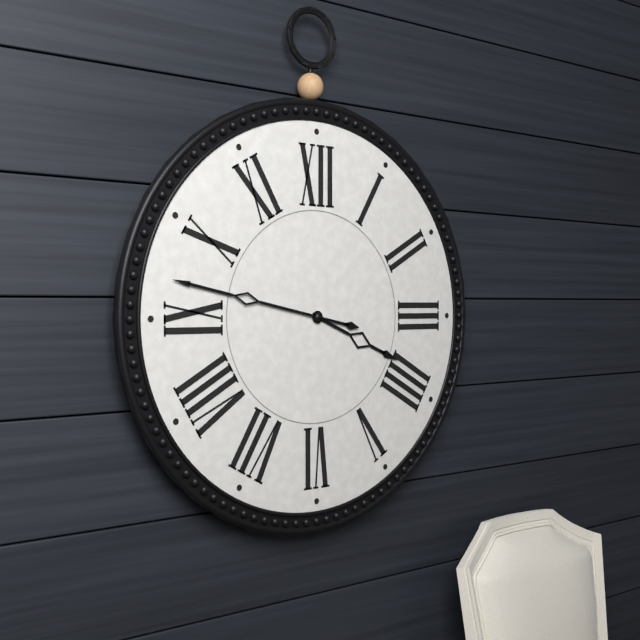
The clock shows h=3 m=47
